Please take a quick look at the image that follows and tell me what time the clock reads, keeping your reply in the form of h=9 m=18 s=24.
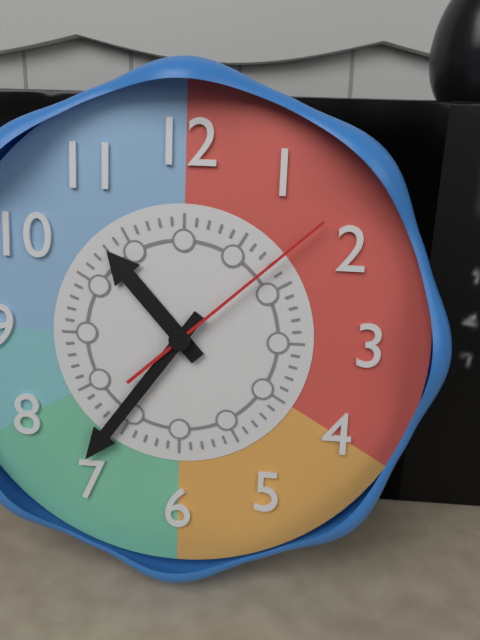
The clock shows h=10 m=36 s=8
